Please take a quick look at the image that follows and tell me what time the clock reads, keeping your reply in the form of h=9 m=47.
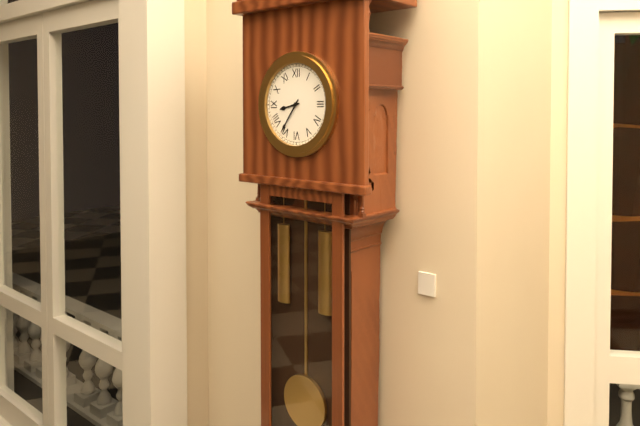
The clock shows h=8 m=36
